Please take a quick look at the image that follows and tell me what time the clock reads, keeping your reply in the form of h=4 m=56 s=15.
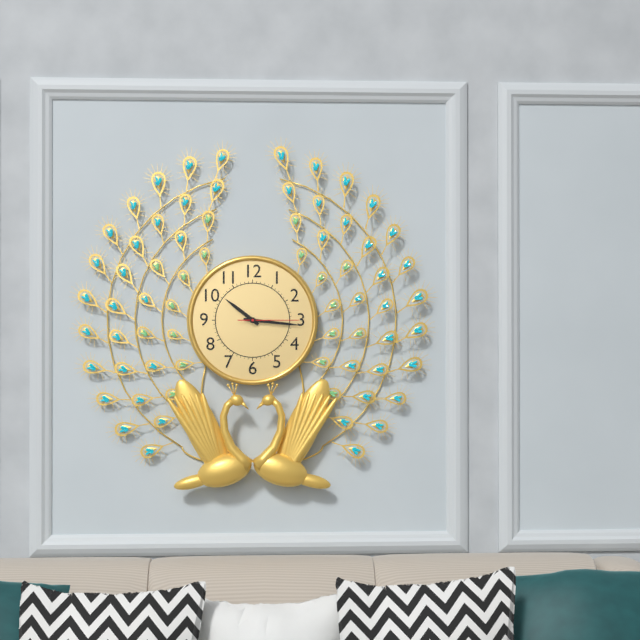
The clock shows h=10 m=16 s=15
